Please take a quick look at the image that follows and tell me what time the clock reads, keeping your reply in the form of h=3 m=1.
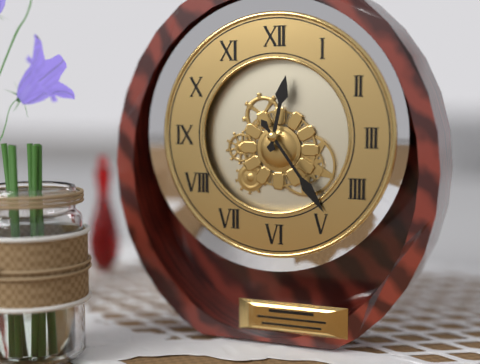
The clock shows h=12 m=24
